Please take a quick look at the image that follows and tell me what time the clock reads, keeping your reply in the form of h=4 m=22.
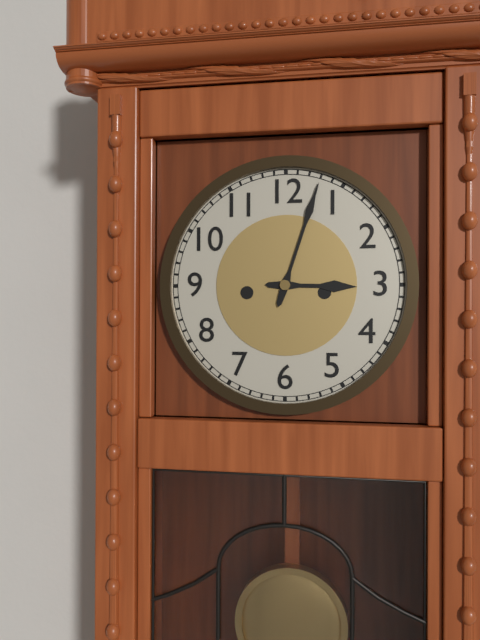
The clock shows h=3 m=3
